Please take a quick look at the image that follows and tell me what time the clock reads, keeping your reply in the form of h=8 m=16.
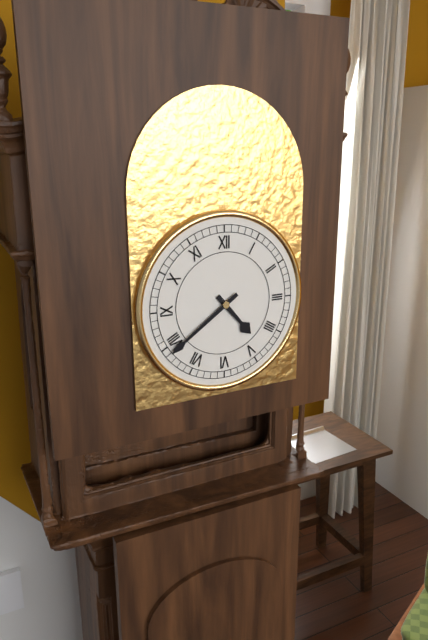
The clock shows h=4 m=39
